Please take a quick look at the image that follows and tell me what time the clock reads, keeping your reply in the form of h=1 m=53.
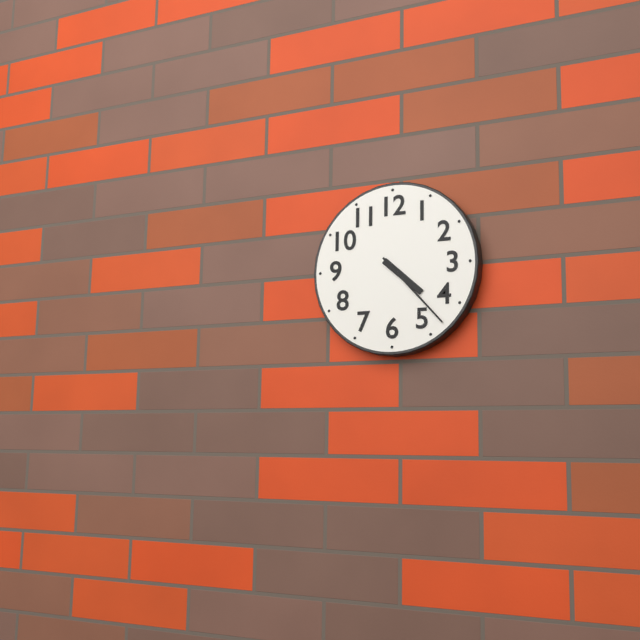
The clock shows h=4 m=23
